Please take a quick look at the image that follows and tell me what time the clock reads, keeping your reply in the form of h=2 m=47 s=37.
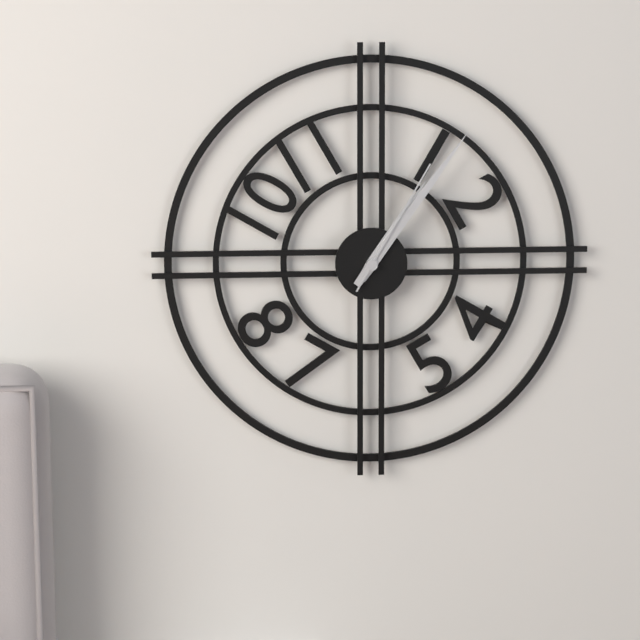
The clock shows h=1 m=6 s=5
